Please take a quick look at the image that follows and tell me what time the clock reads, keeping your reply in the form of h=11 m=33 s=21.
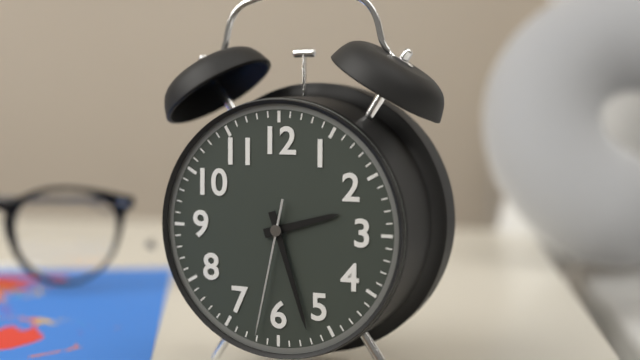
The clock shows h=2 m=27 s=32
